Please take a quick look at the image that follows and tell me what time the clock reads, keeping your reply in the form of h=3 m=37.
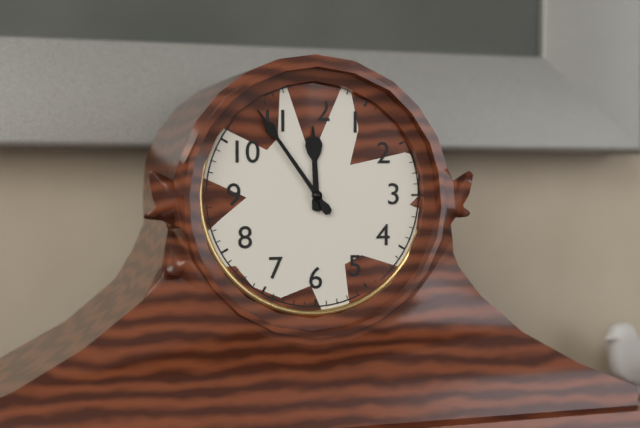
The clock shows h=11 m=54
